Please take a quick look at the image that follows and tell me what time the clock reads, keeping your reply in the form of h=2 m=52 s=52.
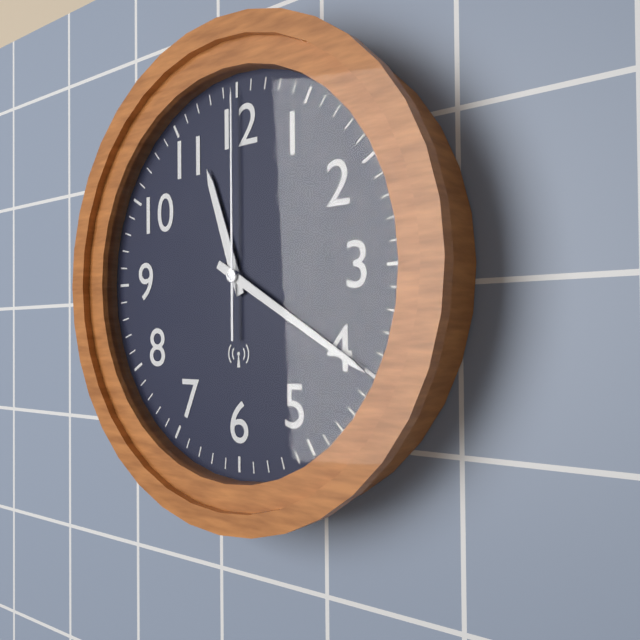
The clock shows h=11 m=20 s=0
